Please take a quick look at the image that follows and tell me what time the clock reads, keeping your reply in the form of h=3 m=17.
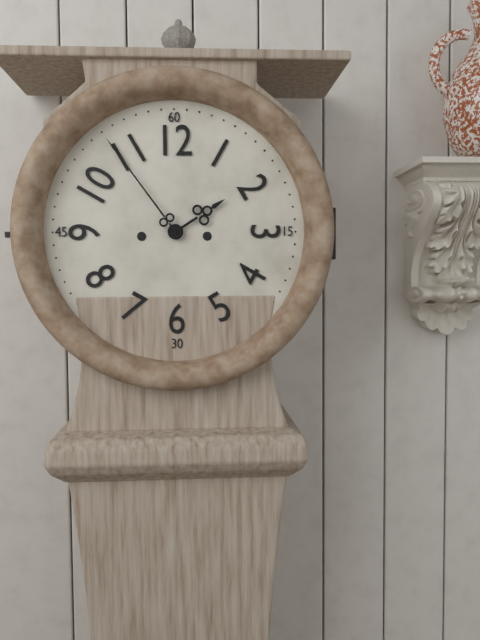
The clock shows h=1 m=54
